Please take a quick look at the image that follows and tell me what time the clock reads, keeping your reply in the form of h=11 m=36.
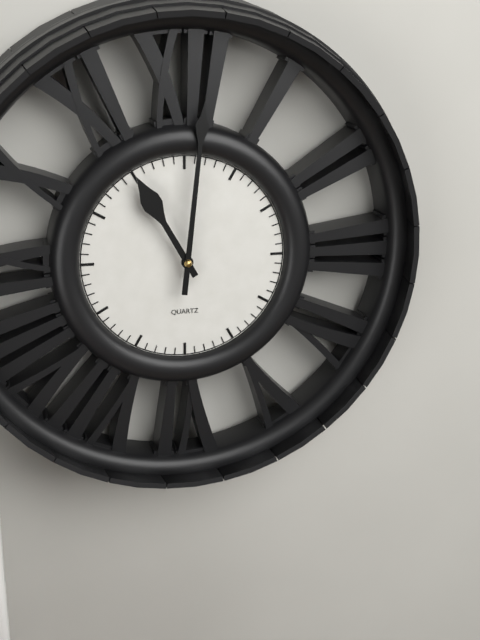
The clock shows h=11 m=1
